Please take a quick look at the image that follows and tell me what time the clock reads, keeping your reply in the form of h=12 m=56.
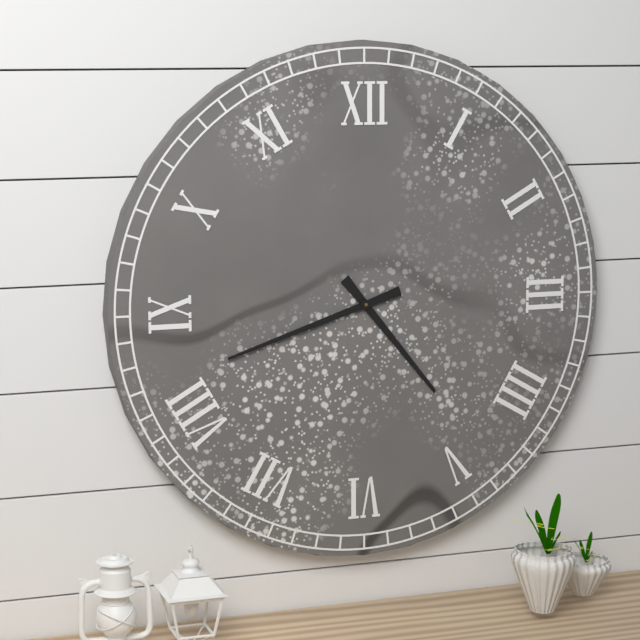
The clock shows h=4 m=42
